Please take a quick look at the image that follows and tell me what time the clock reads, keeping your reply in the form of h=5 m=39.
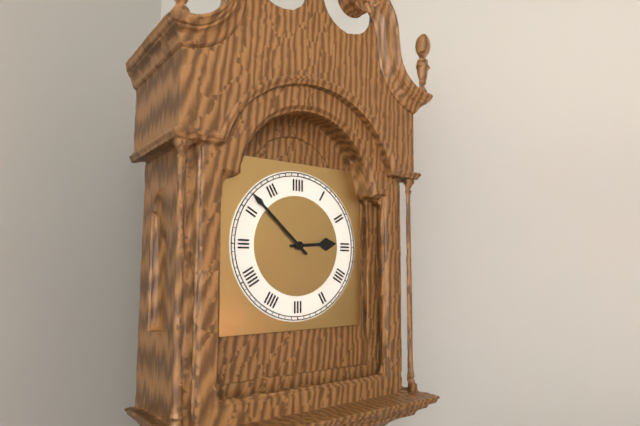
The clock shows h=2 m=52
